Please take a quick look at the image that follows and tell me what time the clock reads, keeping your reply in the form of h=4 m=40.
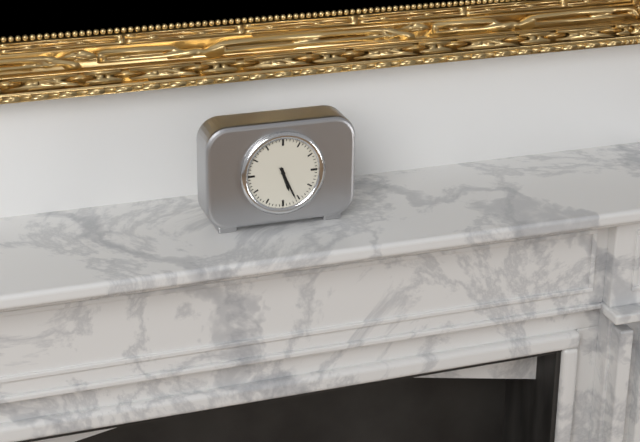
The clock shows h=5 m=26
